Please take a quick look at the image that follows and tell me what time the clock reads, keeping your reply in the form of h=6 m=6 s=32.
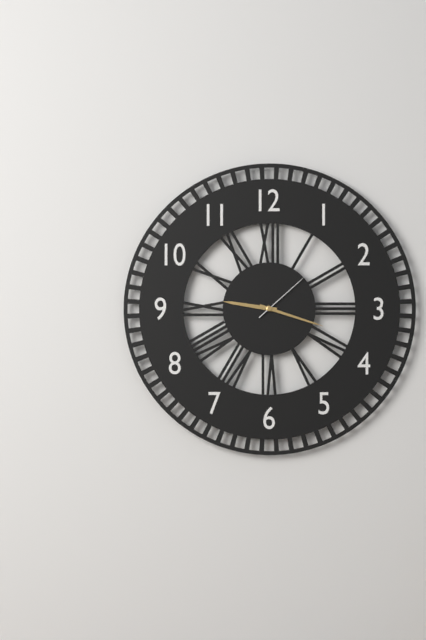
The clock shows h=9 m=18 s=8
